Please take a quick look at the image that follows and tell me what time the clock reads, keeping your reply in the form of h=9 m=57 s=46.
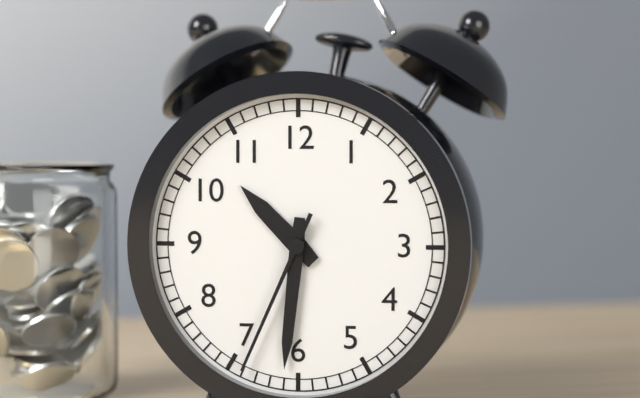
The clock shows h=10 m=31 s=34
